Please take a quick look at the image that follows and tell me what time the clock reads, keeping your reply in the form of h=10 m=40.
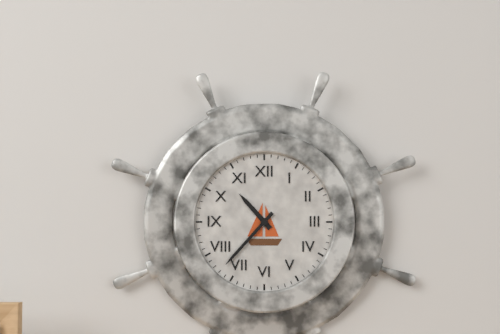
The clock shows h=10 m=37
